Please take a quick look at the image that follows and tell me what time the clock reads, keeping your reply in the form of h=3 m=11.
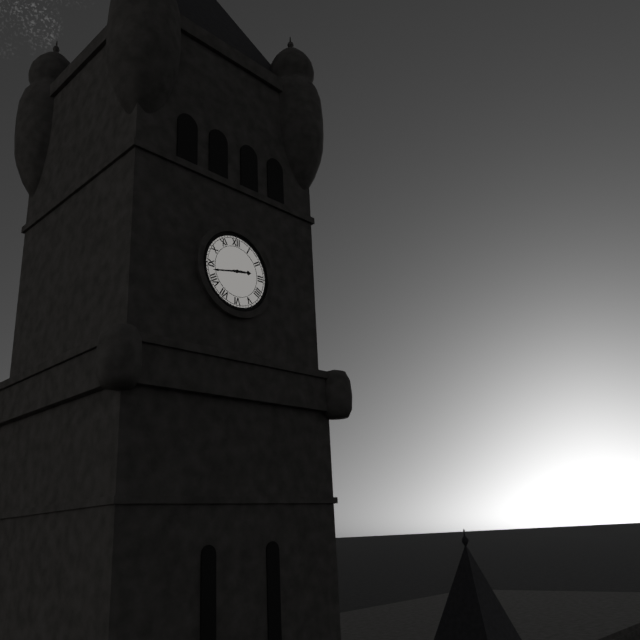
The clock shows h=2 m=43
